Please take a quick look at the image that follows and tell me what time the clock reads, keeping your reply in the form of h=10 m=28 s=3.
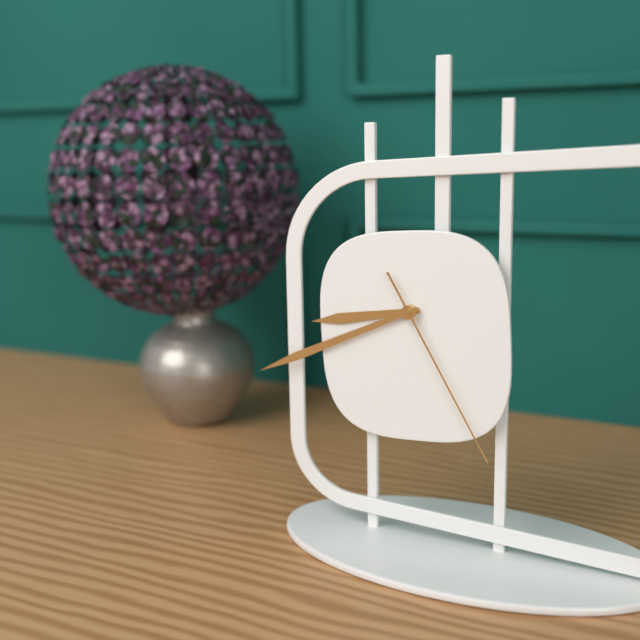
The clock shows h=8 m=41 s=25
